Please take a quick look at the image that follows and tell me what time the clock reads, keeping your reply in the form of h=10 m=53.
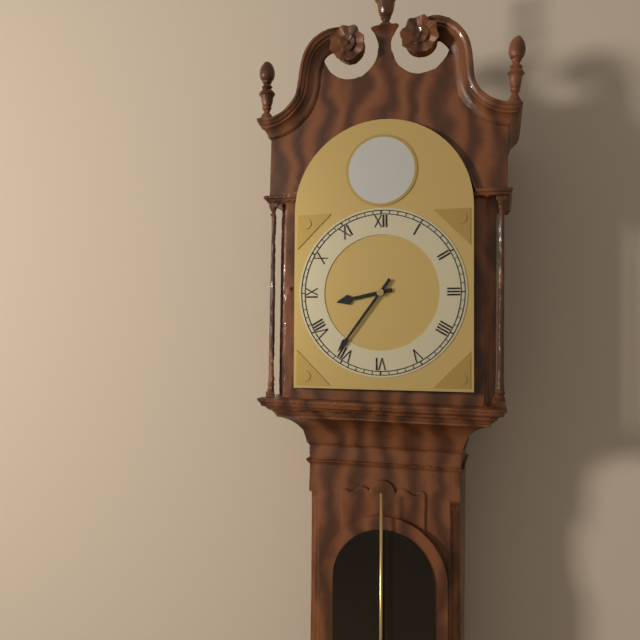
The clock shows h=8 m=36
